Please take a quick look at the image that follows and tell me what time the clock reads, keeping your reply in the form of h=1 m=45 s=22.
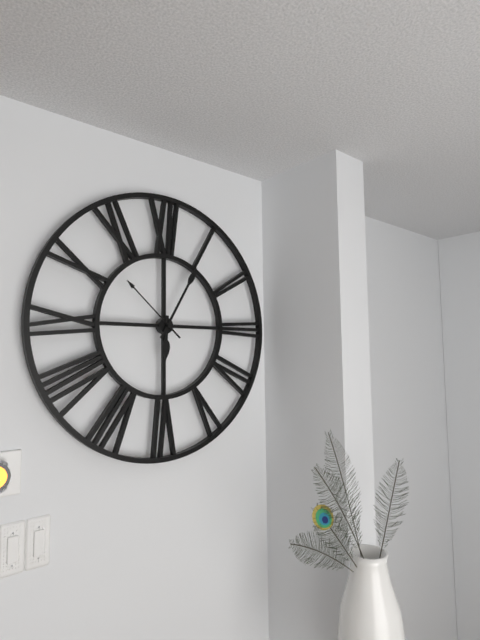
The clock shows h=6 m=5 s=52
